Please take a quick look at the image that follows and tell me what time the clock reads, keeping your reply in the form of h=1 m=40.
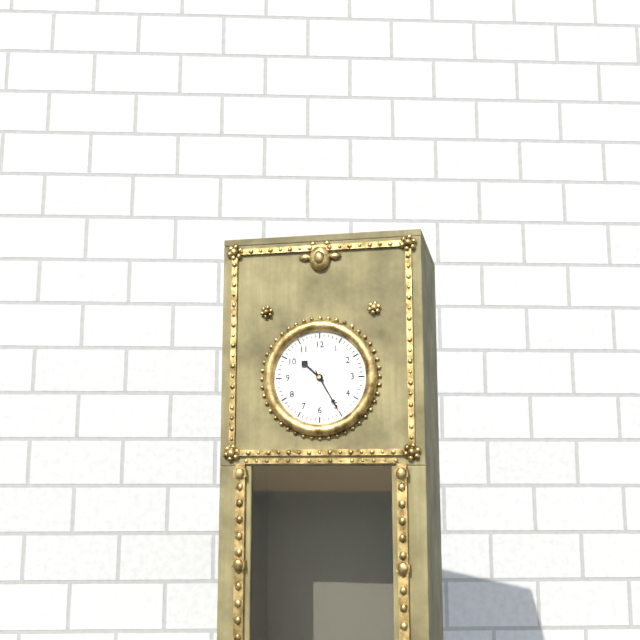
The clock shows h=10 m=25
